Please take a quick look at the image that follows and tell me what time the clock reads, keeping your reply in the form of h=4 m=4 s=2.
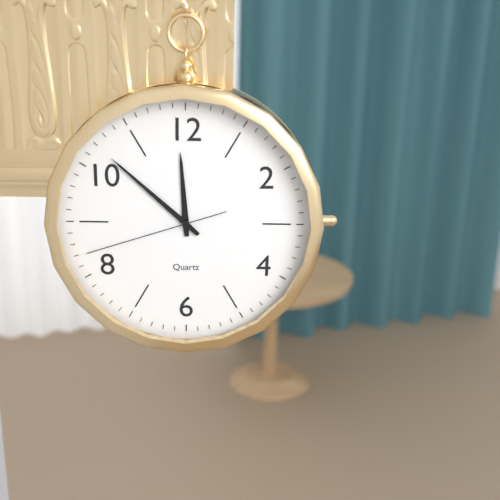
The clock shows h=11 m=52 s=42
